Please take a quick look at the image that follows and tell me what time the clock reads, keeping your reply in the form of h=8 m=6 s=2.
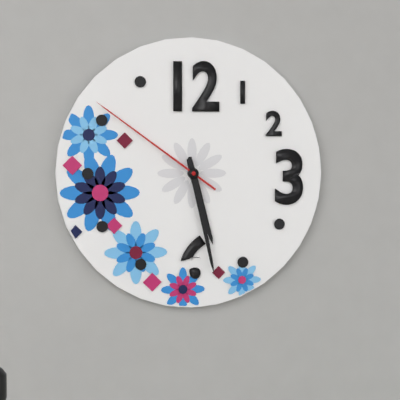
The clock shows h=5 m=28 s=51
